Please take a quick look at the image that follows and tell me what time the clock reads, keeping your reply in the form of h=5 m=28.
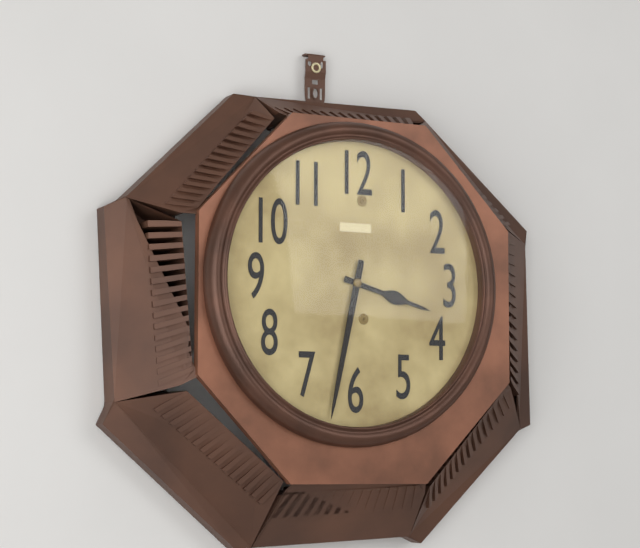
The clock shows h=3 m=32
